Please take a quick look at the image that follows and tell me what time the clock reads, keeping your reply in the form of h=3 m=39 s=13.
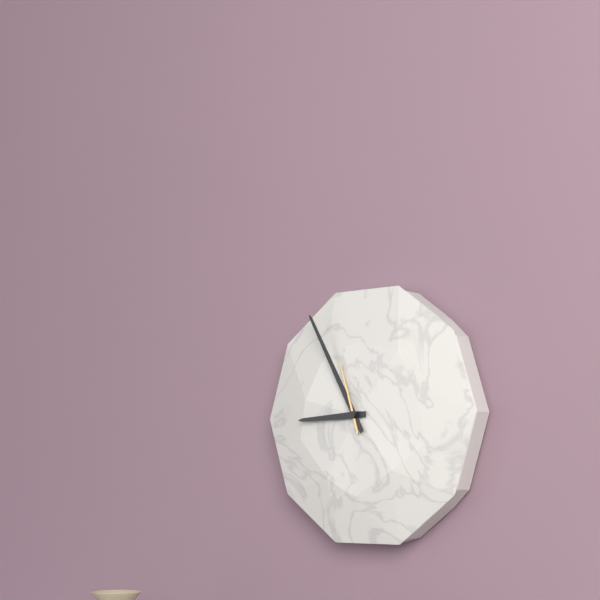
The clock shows h=8 m=55 s=57
